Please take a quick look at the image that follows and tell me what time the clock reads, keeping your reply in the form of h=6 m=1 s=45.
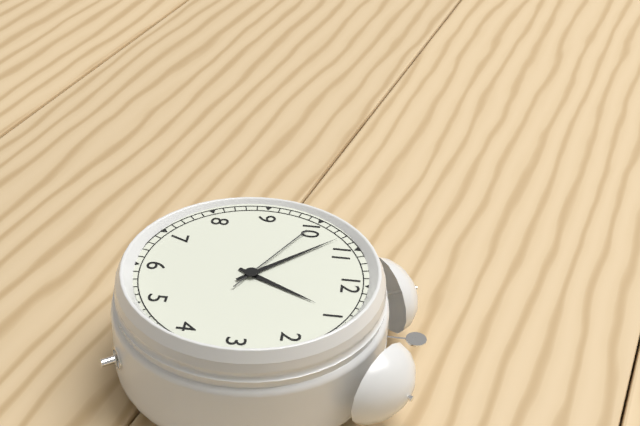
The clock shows h=12 m=53 s=50
